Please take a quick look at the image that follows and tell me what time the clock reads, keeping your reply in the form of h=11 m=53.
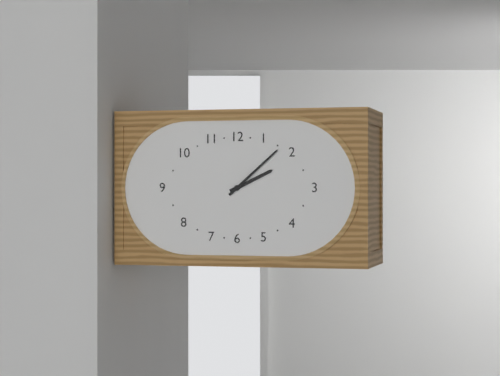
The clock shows h=2 m=8
